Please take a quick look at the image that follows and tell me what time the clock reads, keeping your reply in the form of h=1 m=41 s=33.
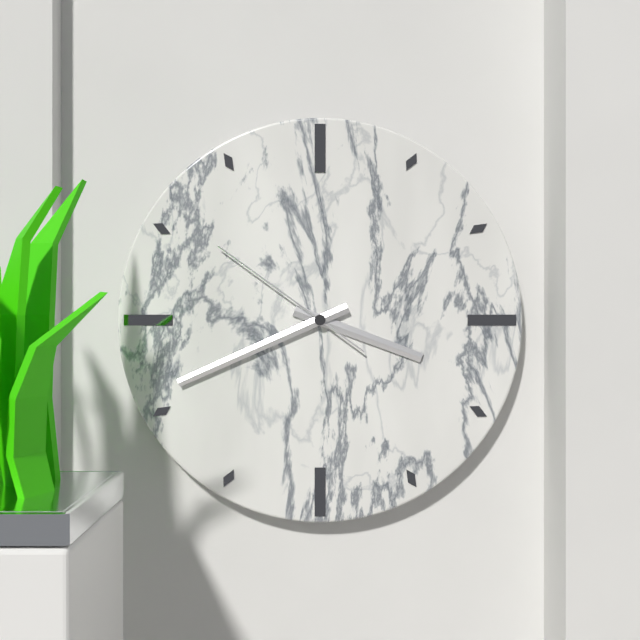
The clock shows h=3 m=41 s=51
